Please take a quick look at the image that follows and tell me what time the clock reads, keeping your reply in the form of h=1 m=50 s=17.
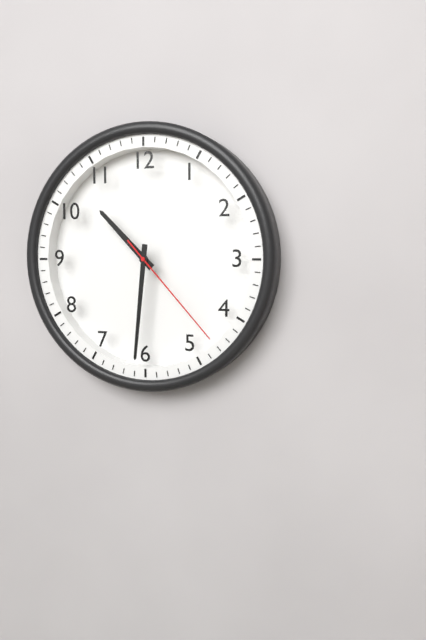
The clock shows h=10 m=31 s=23
